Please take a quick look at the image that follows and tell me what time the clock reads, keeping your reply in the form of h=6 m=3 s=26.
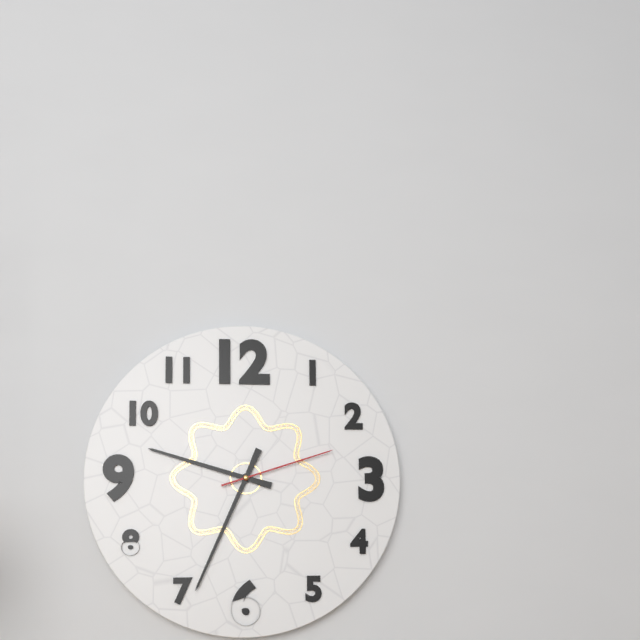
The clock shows h=9 m=34 s=12
